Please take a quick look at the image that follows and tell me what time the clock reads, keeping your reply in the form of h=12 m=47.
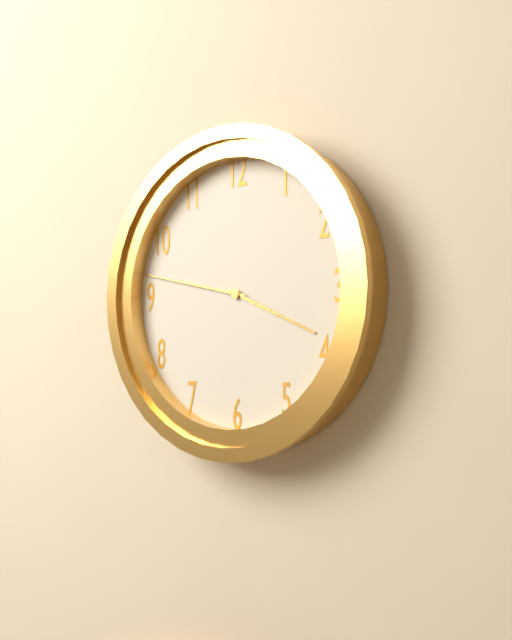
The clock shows h=3 m=47
